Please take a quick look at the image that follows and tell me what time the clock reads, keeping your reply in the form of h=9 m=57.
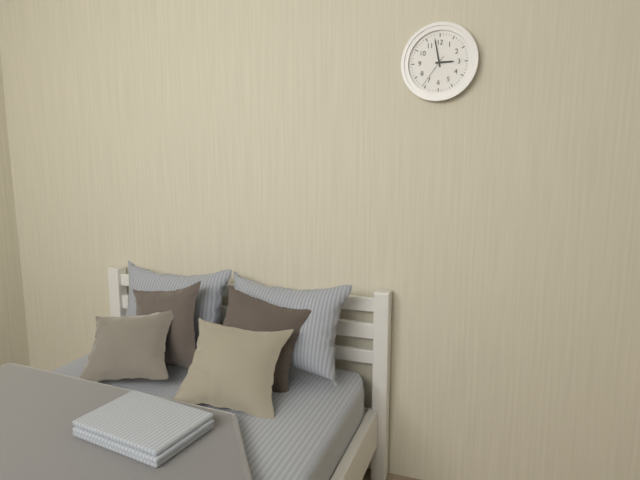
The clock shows h=2 m=58
